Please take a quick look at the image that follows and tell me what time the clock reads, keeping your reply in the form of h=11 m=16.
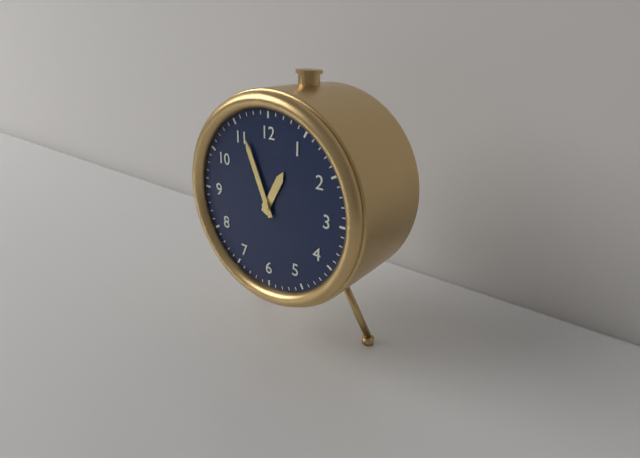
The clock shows h=12 m=56
